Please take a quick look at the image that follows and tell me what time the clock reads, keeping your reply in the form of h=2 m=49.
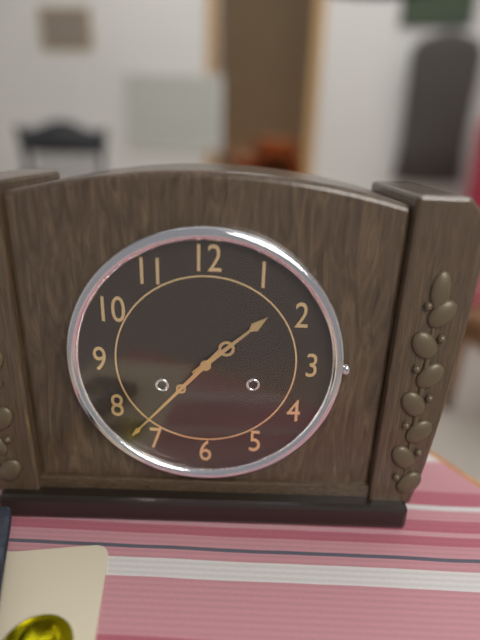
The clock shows h=1 m=37
